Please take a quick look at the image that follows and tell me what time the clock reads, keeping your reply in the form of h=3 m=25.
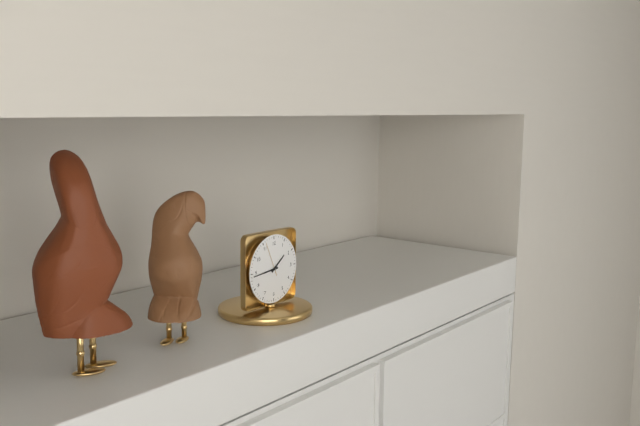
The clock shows h=1 m=44
